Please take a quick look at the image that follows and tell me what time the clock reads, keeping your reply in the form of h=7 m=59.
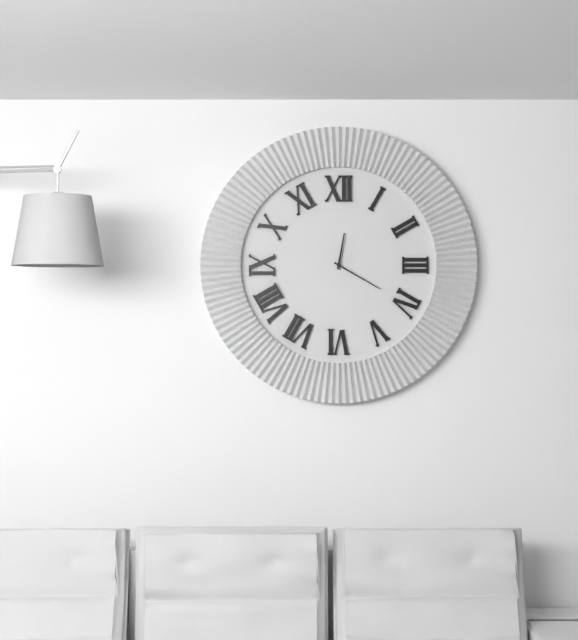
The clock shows h=12 m=20
